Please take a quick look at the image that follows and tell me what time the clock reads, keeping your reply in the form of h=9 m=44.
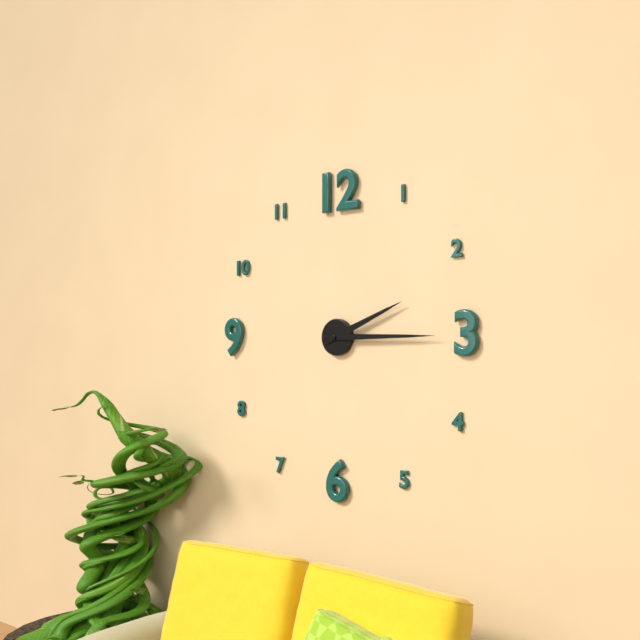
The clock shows h=2 m=15
